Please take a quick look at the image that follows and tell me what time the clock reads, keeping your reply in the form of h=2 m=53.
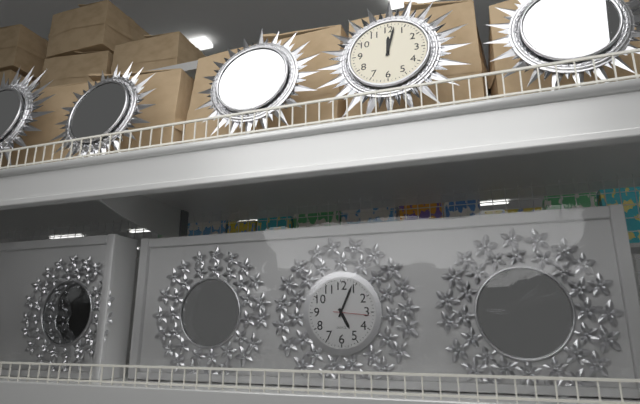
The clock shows h=5 m=4
